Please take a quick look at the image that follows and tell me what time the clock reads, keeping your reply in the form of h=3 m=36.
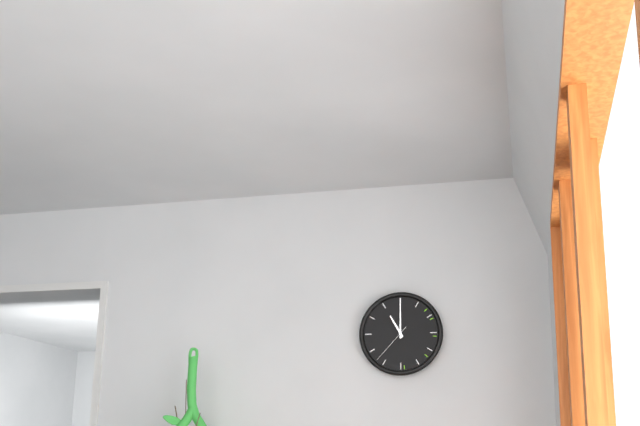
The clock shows h=11 m=0
